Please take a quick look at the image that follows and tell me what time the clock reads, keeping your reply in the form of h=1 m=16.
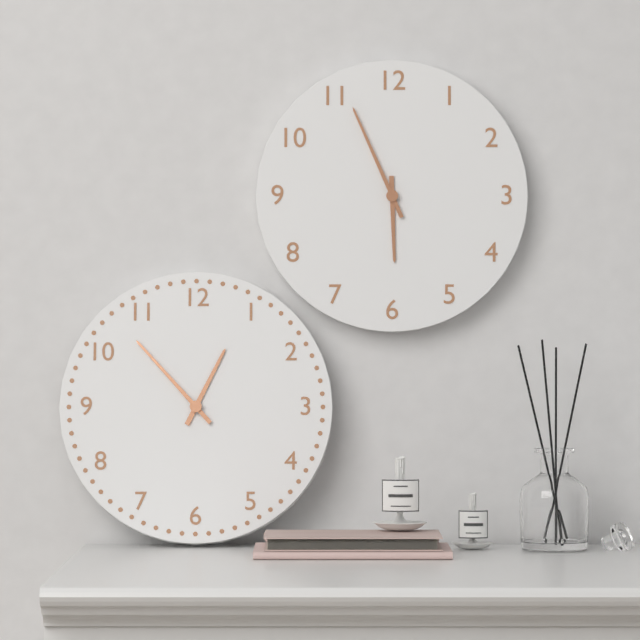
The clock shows h=5 m=56
